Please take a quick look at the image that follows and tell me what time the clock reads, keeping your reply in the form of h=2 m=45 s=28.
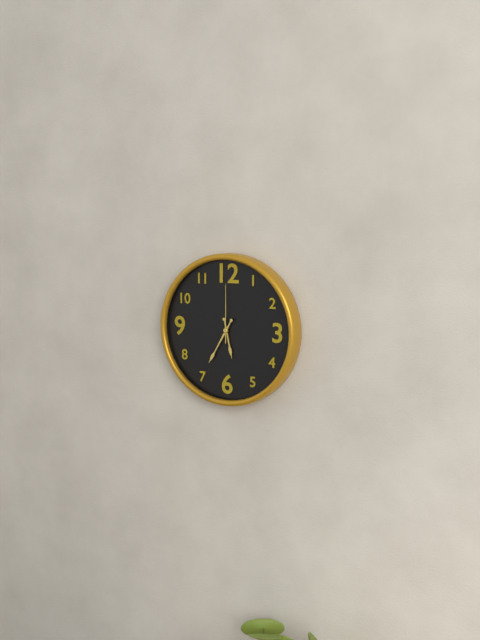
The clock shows h=5 m=35 s=0
